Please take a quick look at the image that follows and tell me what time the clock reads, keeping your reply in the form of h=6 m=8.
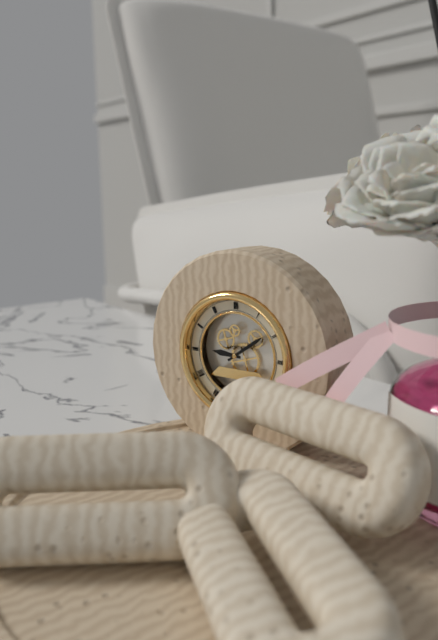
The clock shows h=9 m=9
